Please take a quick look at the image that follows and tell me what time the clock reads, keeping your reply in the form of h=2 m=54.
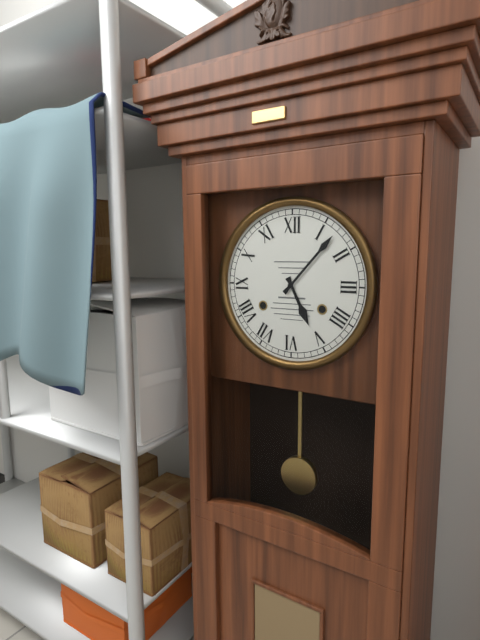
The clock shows h=5 m=7
